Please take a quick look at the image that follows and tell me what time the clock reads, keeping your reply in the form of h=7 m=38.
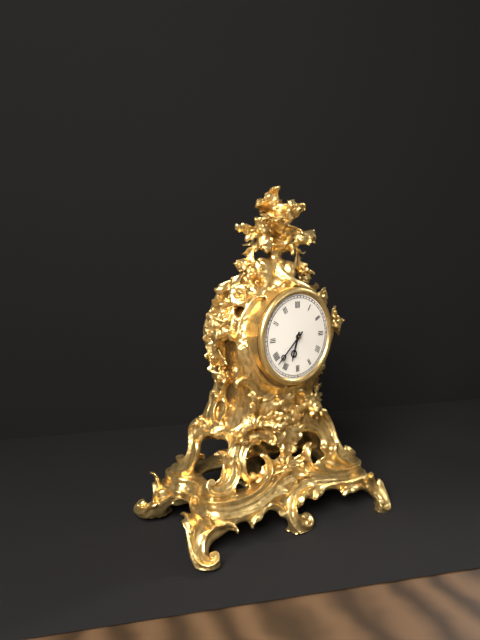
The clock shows h=6 m=38
